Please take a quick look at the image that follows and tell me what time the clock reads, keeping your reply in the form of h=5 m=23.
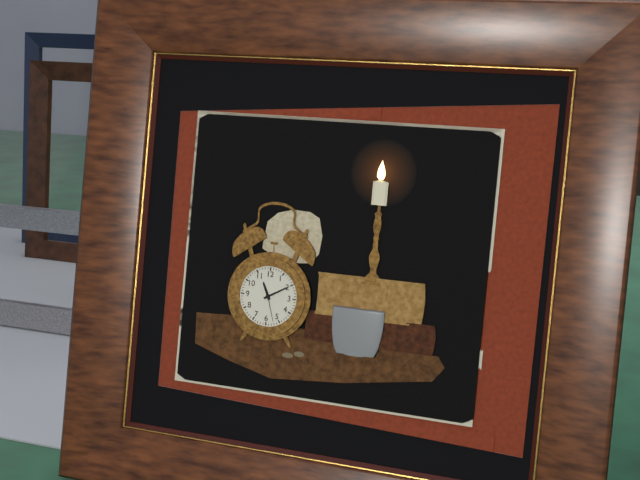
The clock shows h=11 m=10
